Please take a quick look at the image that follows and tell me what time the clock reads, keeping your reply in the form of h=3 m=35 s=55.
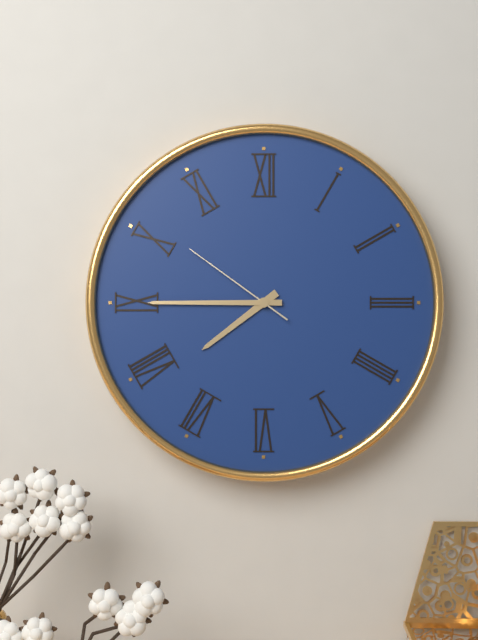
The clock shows h=7 m=45 s=51
